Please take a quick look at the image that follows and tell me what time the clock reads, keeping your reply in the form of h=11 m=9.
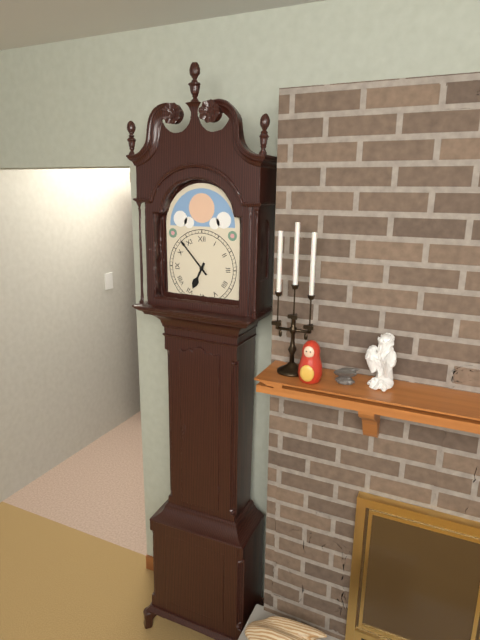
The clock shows h=6 m=53
